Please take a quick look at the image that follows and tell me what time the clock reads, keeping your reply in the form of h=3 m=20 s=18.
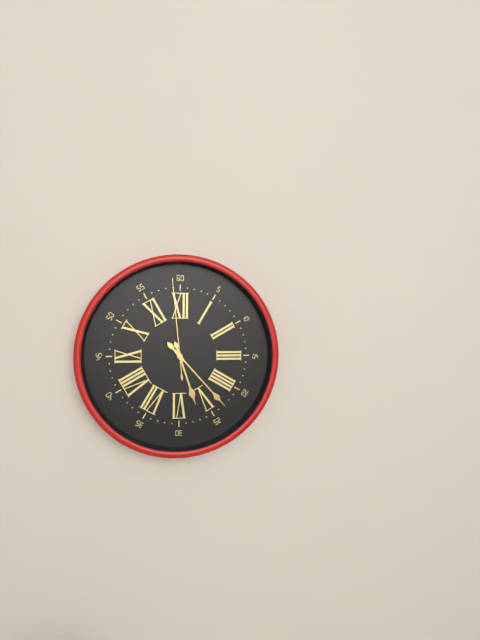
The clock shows h=5 m=23 s=59
